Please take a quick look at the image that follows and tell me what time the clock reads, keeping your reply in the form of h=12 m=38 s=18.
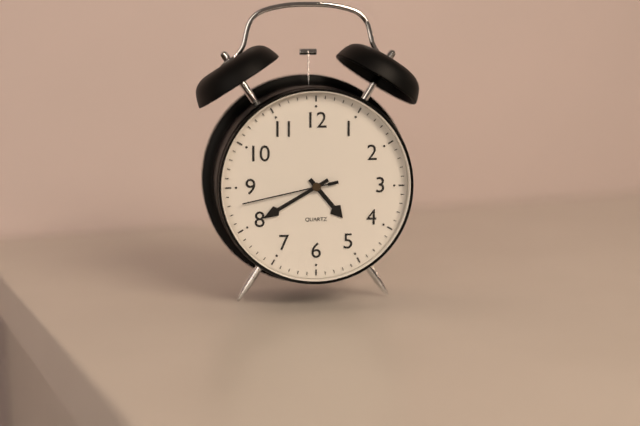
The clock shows h=4 m=40 s=43
